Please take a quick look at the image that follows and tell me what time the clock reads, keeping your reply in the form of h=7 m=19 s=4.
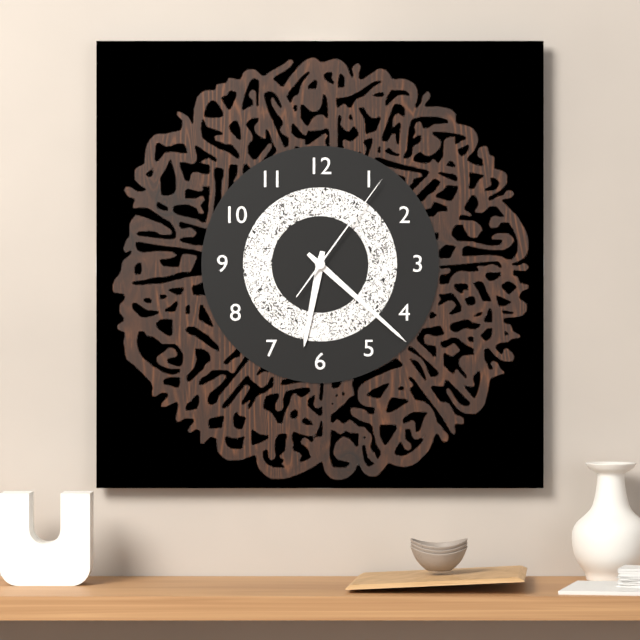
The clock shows h=6 m=22 s=6
